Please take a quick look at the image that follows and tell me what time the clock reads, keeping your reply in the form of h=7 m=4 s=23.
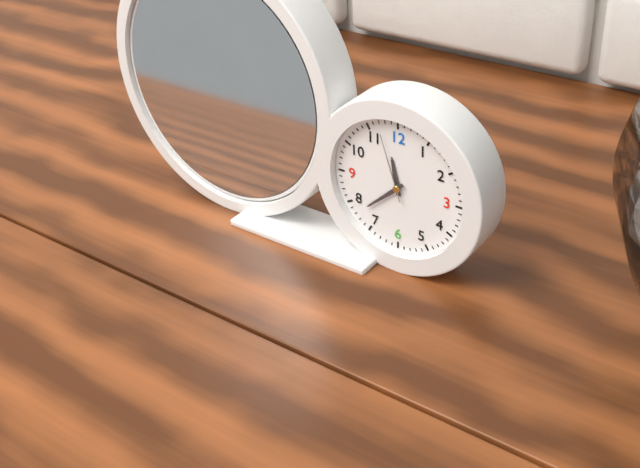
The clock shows h=11 m=38 s=57
